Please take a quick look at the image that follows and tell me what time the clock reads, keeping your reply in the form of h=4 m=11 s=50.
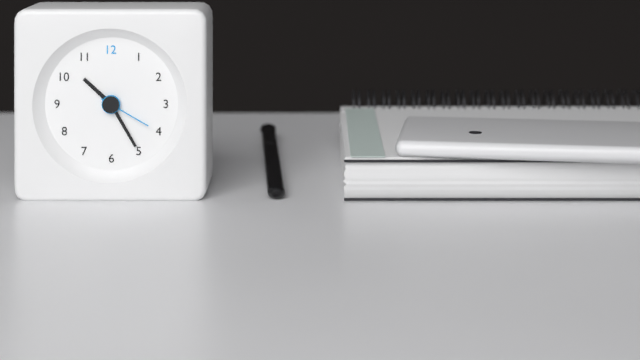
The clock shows h=10 m=25 s=20
